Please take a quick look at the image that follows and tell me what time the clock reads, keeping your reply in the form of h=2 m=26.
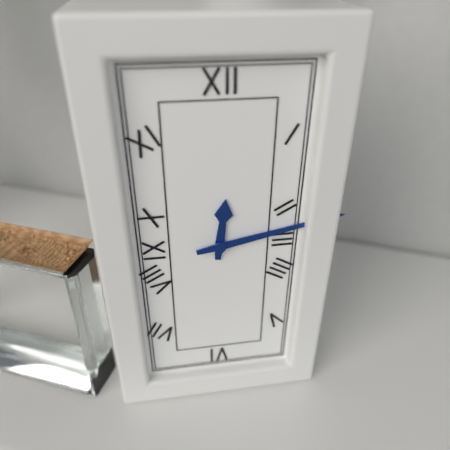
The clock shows h=12 m=13
